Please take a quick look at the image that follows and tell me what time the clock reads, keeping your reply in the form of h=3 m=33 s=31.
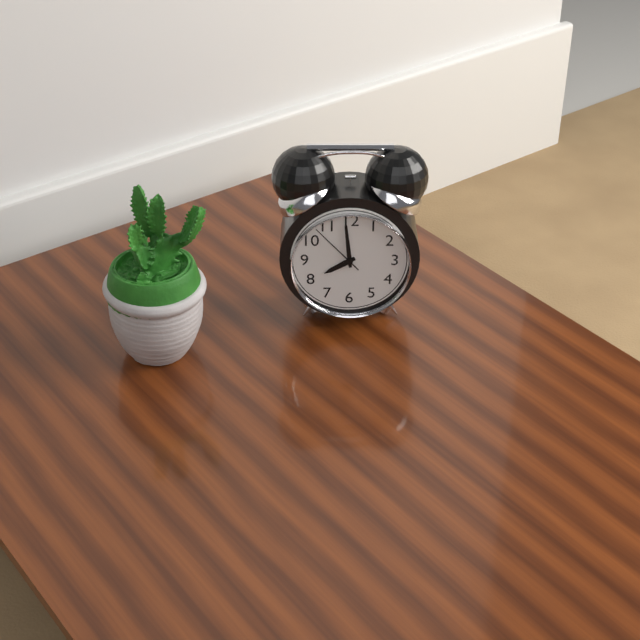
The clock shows h=7 m=59 s=53
